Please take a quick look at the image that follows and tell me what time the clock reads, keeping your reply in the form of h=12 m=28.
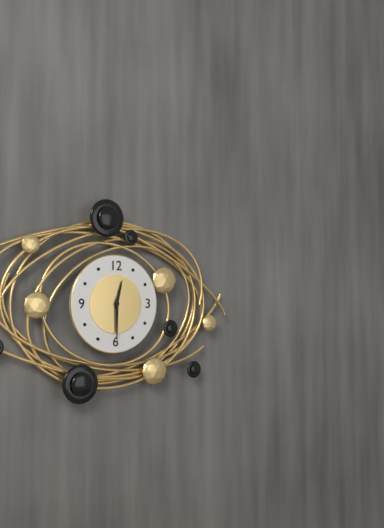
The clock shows h=12 m=30
